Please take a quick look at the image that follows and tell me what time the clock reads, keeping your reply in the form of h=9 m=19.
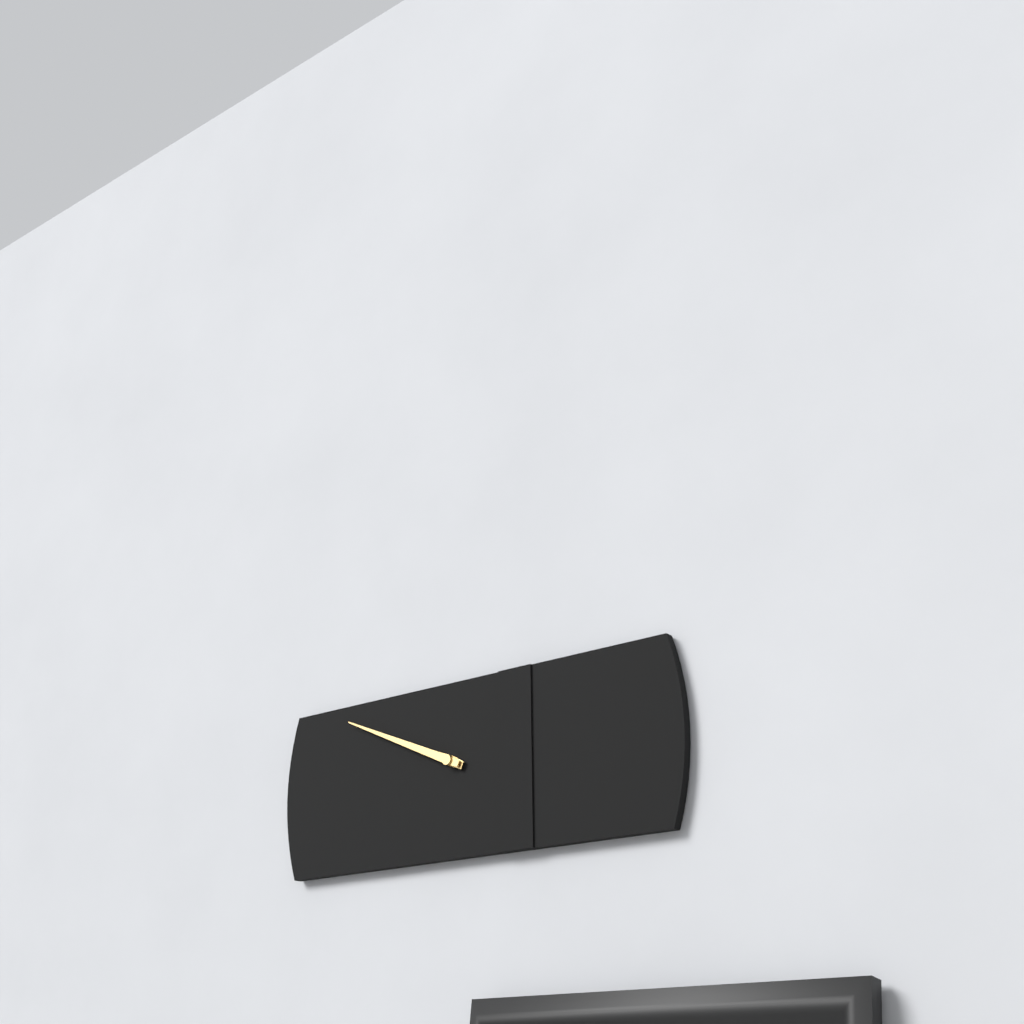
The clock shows h=9 m=49
